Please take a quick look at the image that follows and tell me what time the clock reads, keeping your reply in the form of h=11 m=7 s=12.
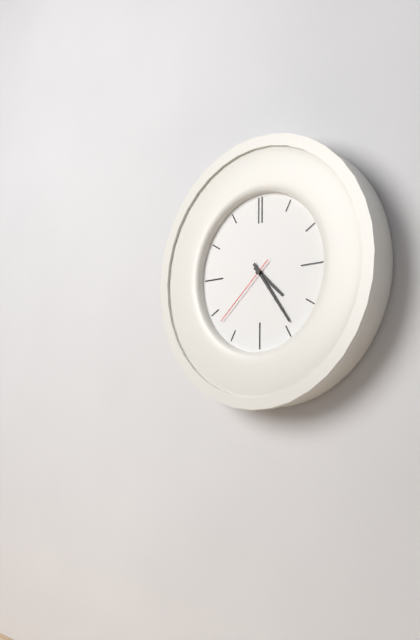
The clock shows h=4 m=24 s=38
